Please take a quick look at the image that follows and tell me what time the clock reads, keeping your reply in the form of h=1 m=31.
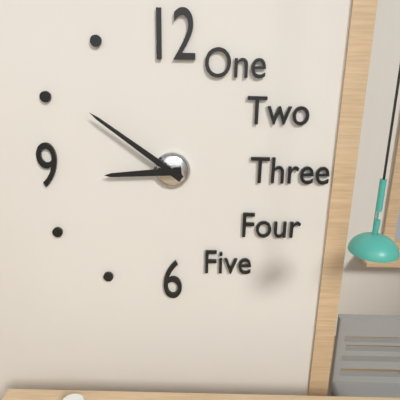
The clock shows h=8 m=51
